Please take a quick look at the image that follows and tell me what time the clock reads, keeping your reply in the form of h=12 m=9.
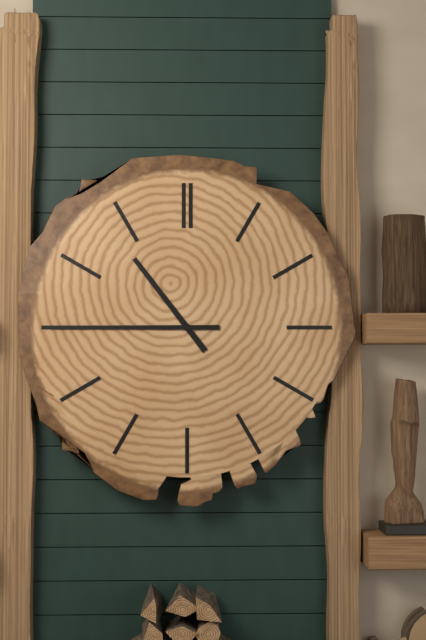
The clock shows h=10 m=45
